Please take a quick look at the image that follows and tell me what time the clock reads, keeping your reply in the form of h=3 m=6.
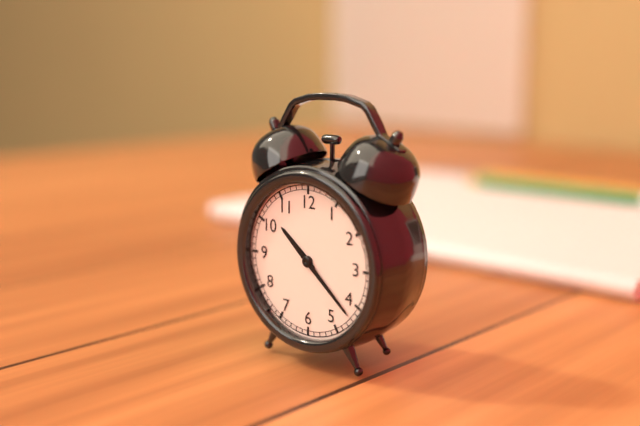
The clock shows h=10 m=22
